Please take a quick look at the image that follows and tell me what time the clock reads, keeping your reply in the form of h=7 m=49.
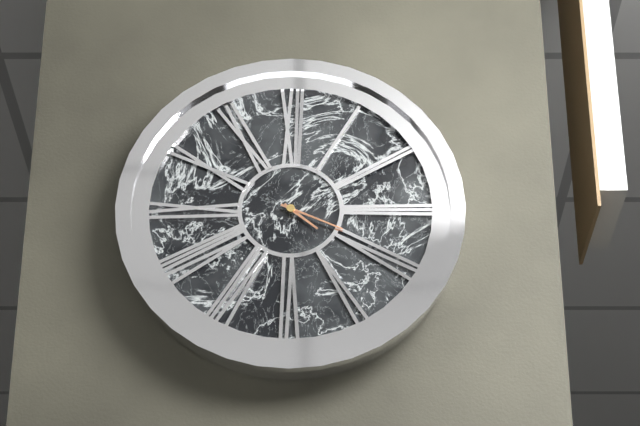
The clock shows h=4 m=19
